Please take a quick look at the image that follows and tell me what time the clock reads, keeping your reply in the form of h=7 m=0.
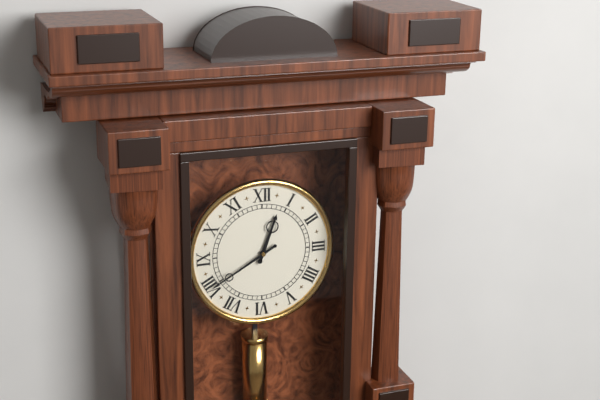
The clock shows h=12 m=40
